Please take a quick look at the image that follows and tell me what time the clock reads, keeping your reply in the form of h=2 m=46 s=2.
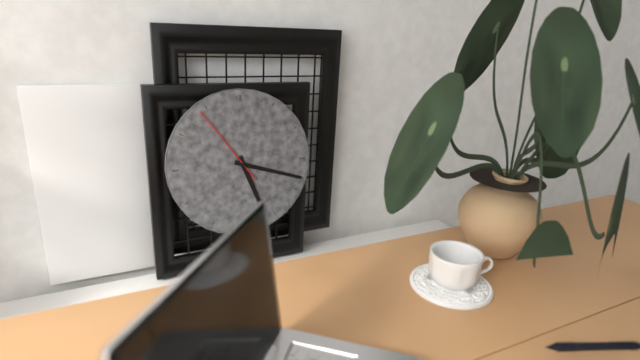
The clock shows h=5 m=18 s=54
